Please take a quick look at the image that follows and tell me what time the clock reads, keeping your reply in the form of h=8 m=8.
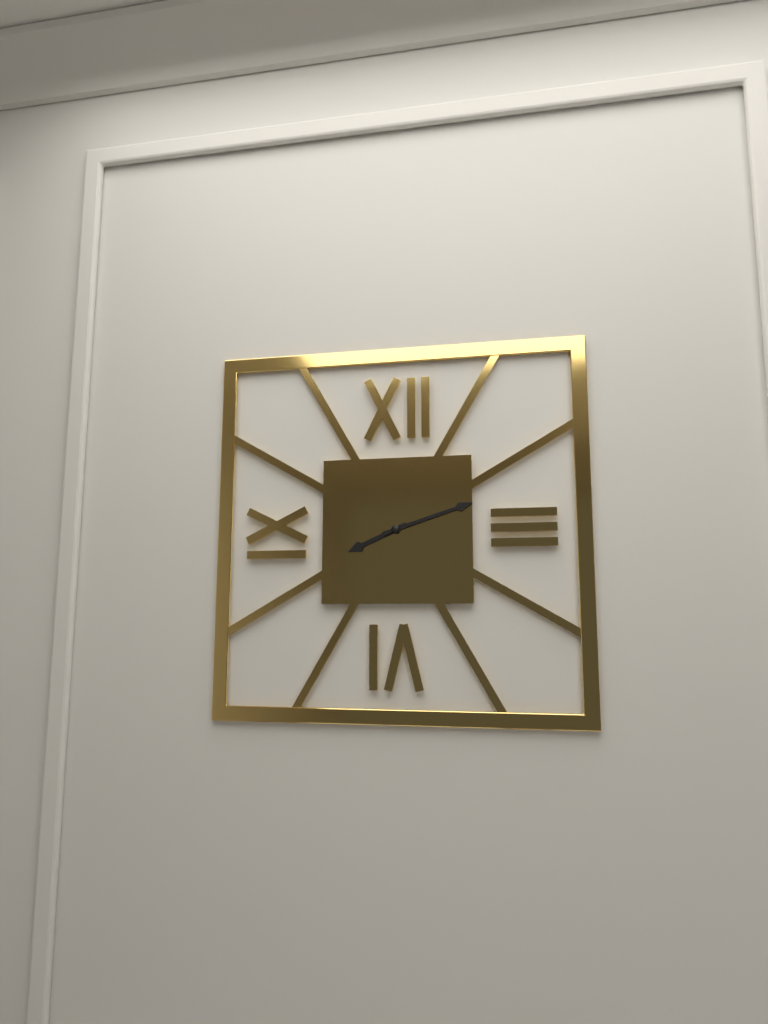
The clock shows h=8 m=12
